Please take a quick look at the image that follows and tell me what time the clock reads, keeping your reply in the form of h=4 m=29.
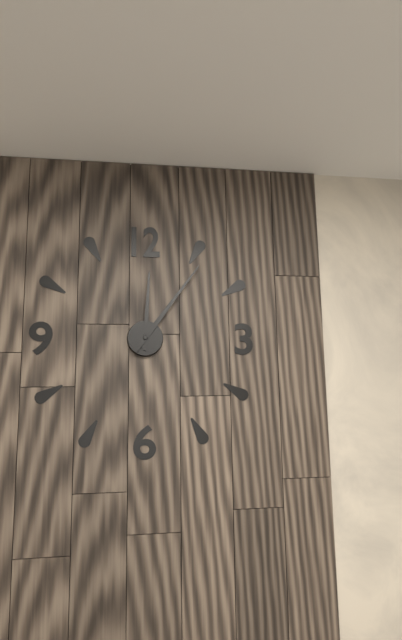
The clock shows h=12 m=6
